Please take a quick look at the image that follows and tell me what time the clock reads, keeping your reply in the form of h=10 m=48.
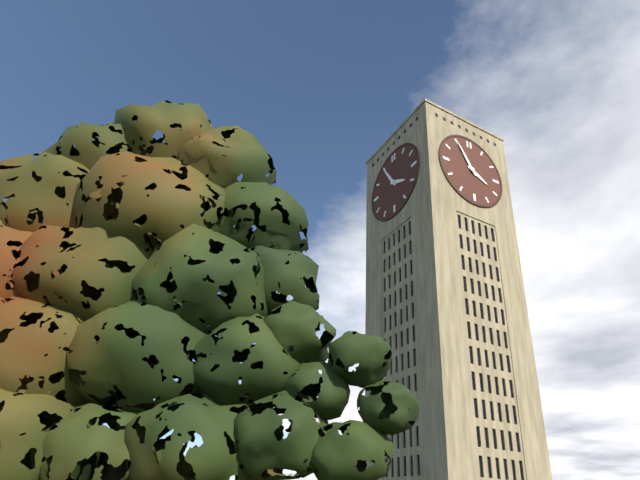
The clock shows h=3 m=55
